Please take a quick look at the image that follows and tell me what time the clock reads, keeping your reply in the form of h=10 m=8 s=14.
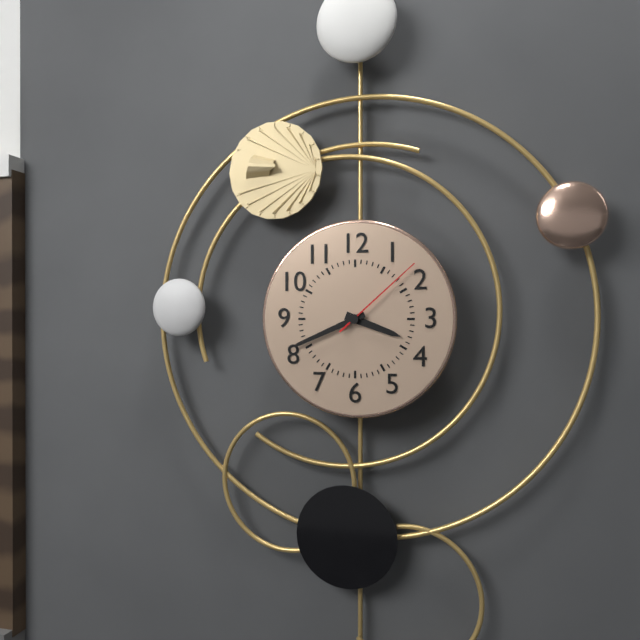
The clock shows h=3 m=41 s=8
